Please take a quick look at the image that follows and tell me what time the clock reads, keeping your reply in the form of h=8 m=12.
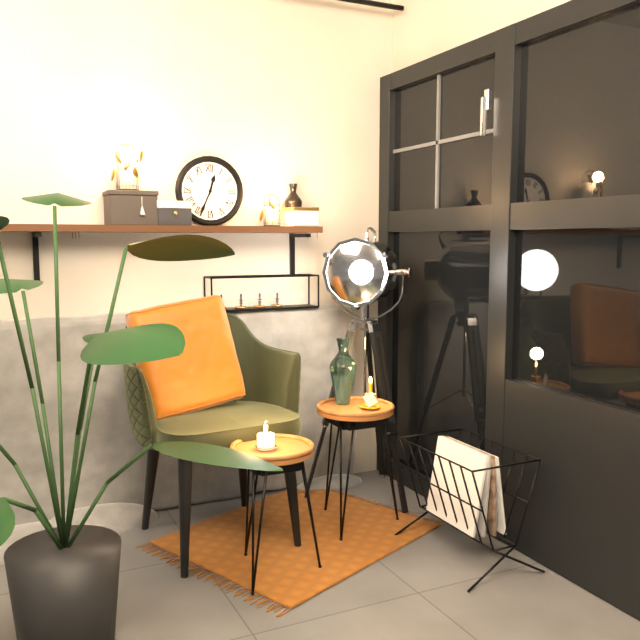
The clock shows h=12 m=34
